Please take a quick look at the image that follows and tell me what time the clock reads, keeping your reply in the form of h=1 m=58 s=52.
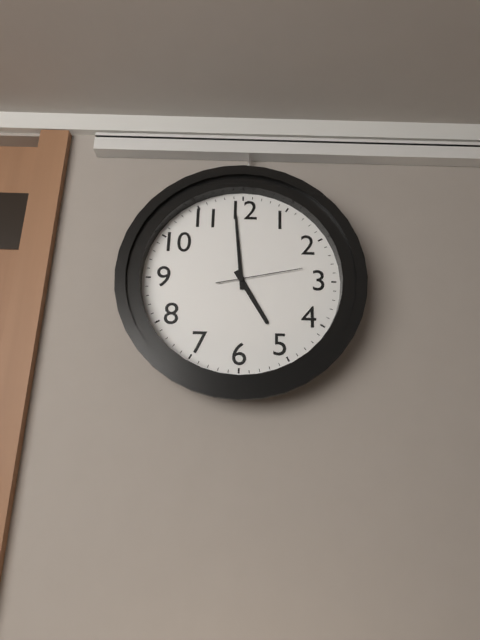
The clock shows h=4 m=59 s=13
